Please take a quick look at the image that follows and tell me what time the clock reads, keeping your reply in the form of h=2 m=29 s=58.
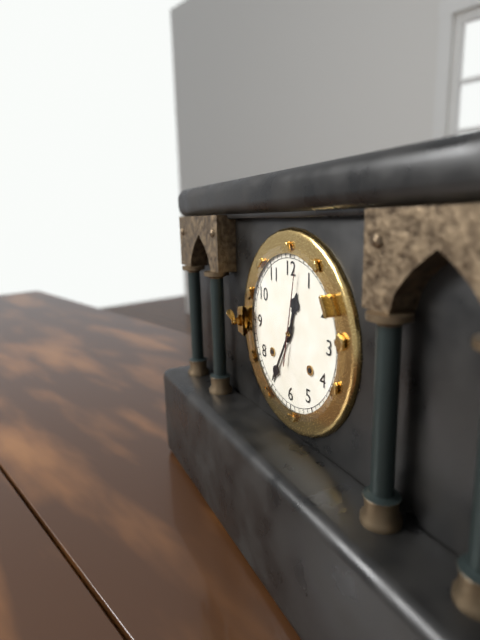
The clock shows h=12 m=35 s=2
